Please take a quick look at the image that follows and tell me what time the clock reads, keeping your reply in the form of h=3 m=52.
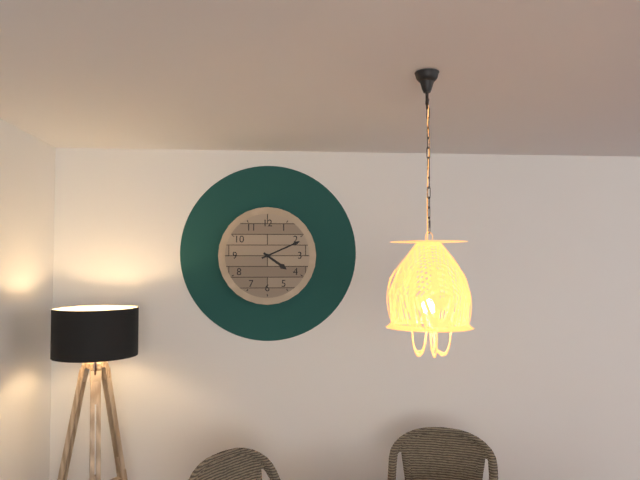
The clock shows h=4 m=11
